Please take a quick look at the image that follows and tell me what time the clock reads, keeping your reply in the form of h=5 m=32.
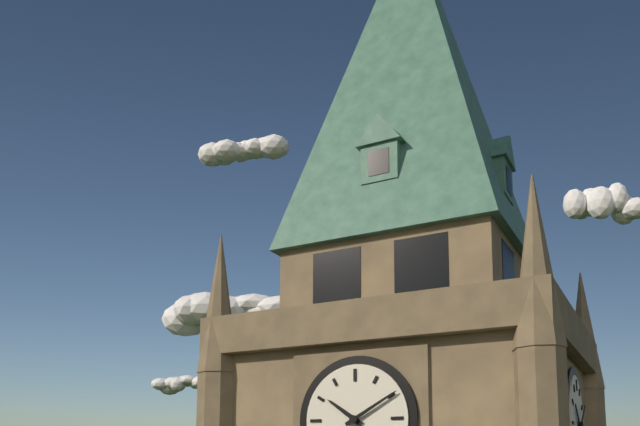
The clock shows h=10 m=10
